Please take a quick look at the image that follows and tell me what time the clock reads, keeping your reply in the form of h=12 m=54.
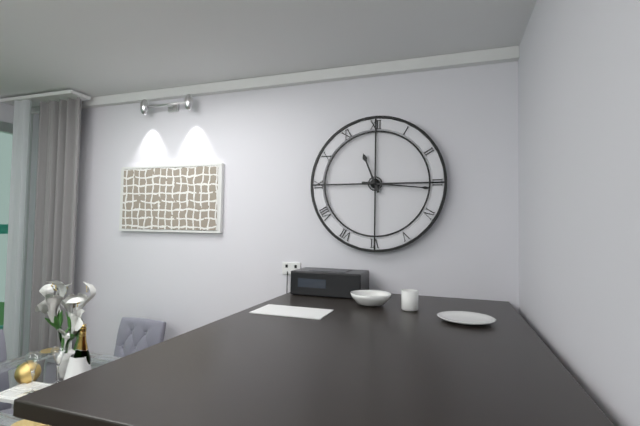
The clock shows h=11 m=16
